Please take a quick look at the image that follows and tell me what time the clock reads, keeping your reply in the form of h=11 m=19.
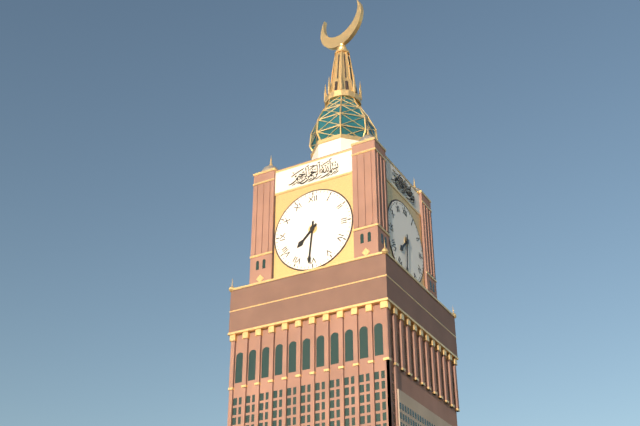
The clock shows h=7 m=31
